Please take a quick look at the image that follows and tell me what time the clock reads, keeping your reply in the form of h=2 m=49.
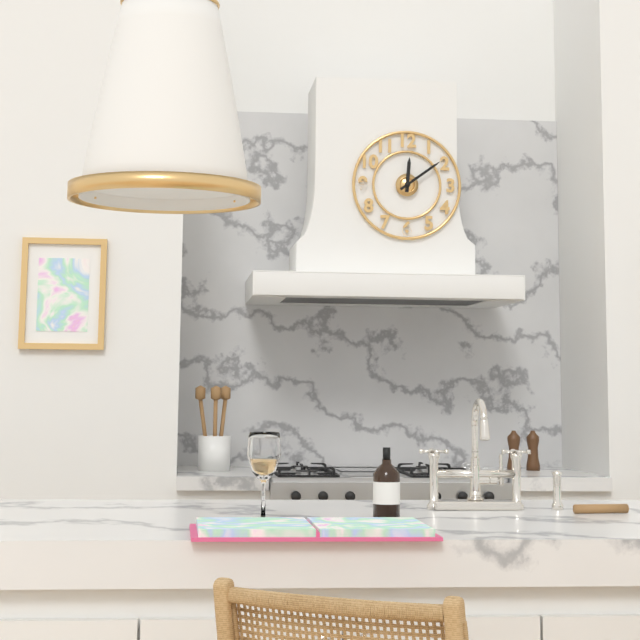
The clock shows h=12 m=9
